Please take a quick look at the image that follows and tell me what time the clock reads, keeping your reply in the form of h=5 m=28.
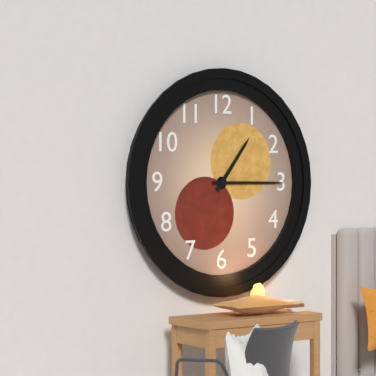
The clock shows h=1 m=15
